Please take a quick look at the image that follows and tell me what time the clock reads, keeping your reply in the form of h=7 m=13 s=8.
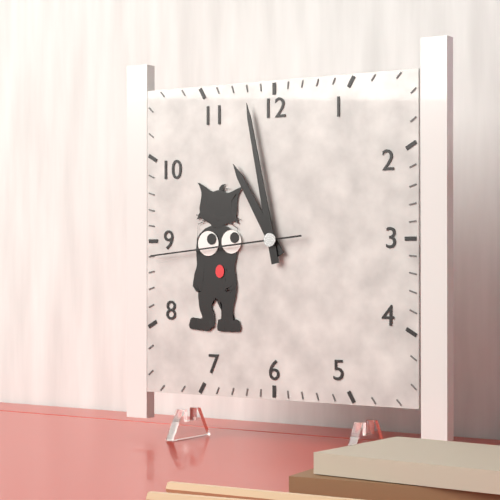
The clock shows h=10 m=58 s=44
